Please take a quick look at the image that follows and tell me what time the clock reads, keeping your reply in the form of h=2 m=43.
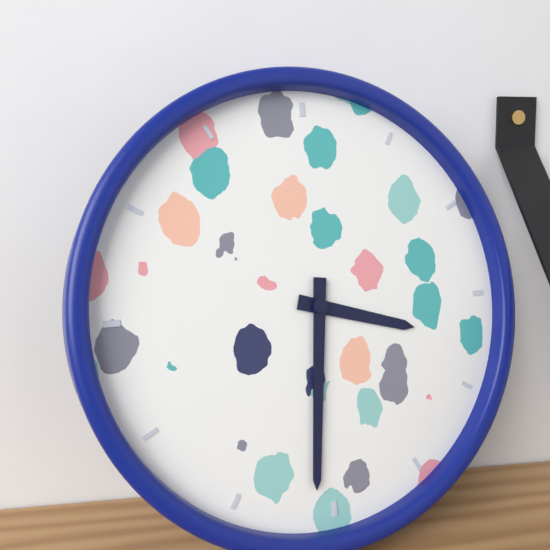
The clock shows h=3 m=31
